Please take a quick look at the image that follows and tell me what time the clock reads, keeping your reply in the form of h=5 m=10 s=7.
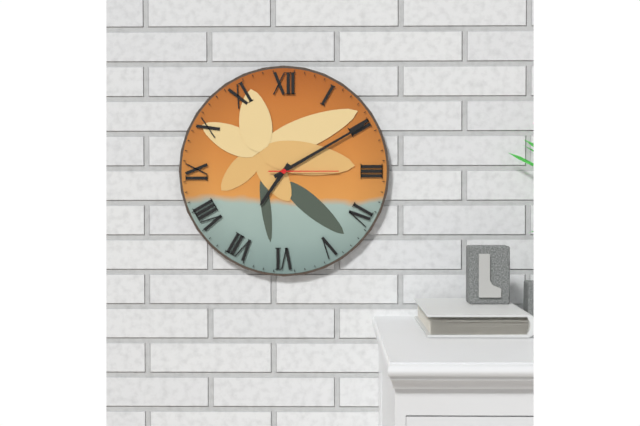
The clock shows h=7 m=10 s=15
